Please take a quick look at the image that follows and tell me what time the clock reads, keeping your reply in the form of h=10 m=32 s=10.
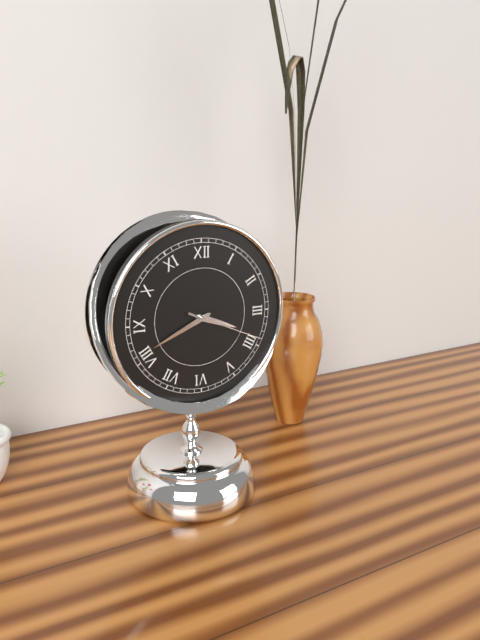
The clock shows h=3 m=41 s=19
